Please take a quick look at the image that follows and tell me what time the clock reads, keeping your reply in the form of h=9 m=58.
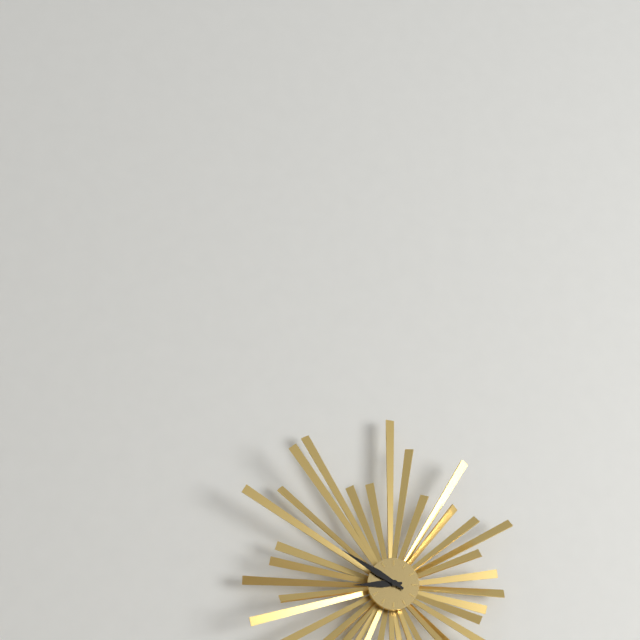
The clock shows h=8 m=50
